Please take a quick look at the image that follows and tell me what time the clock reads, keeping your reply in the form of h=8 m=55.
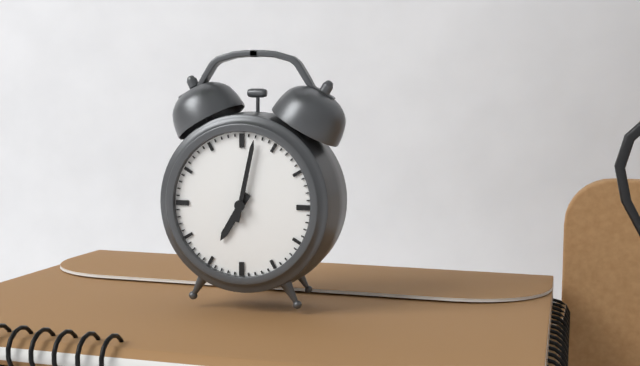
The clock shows h=7 m=2
